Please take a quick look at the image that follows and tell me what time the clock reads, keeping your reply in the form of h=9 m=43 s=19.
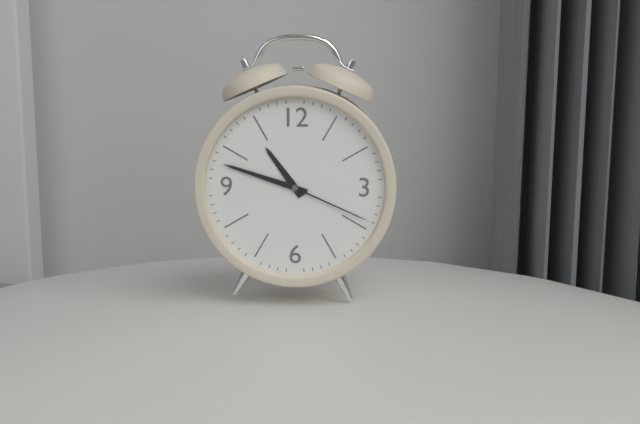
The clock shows h=10 m=48 s=19
